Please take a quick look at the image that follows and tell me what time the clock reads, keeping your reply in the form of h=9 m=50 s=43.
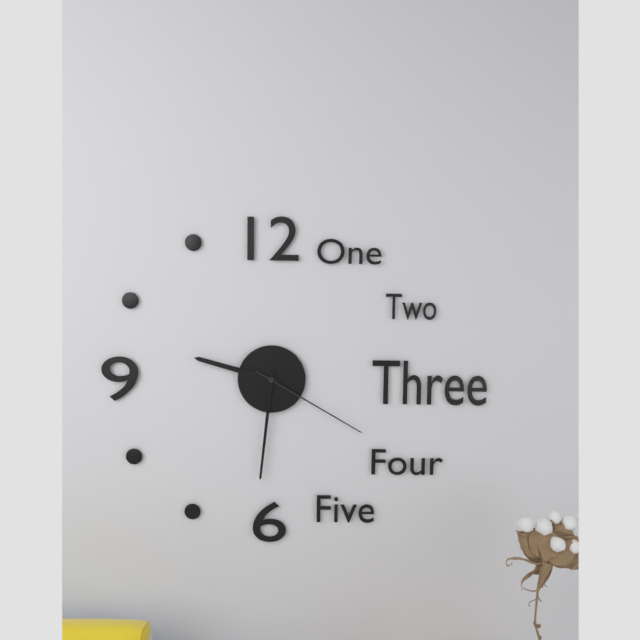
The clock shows h=9 m=31 s=20
